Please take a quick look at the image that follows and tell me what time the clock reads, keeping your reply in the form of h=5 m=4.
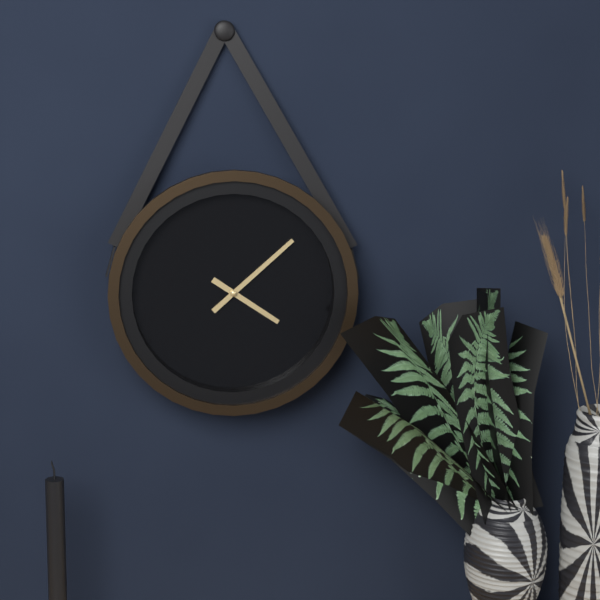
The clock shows h=4 m=8
